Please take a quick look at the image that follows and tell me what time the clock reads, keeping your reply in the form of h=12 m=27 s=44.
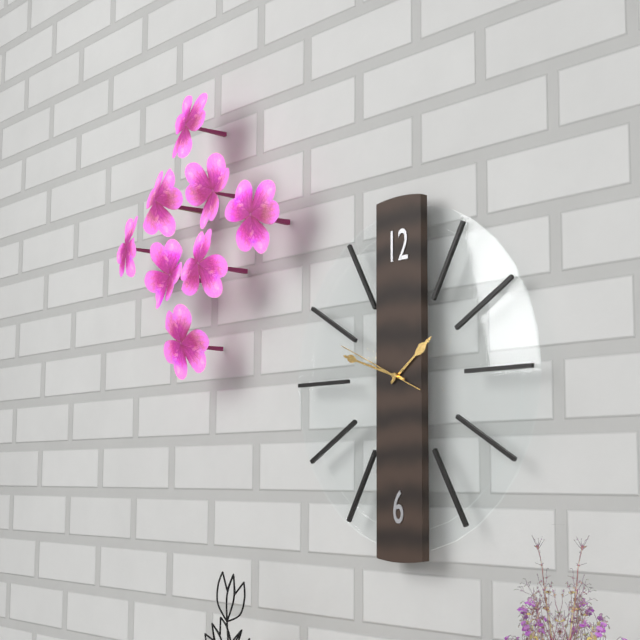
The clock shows h=1 m=48 s=49
